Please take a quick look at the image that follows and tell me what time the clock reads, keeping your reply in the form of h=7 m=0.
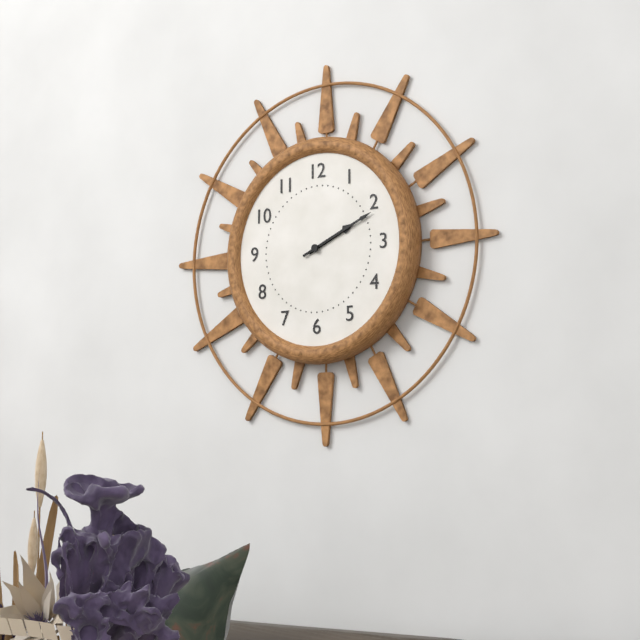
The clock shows h=2 m=11
